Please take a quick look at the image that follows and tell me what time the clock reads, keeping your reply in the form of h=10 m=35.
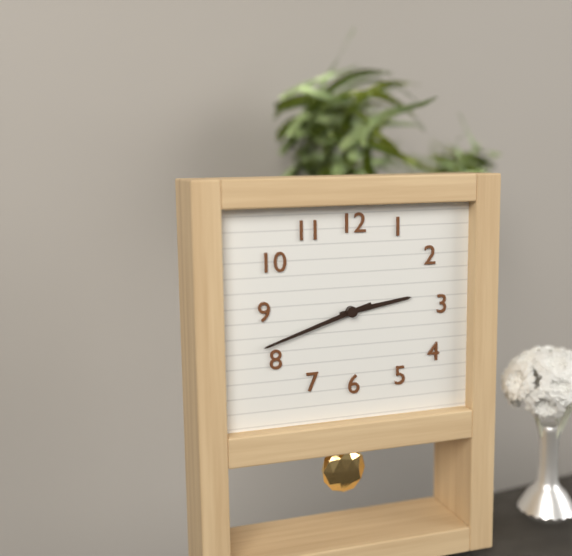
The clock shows h=2 m=42
